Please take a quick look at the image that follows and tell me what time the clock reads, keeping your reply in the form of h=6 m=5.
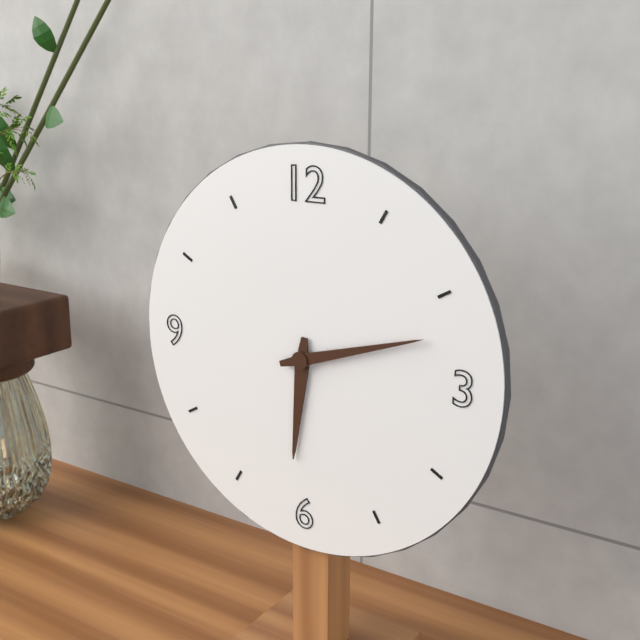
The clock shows h=6 m=12
